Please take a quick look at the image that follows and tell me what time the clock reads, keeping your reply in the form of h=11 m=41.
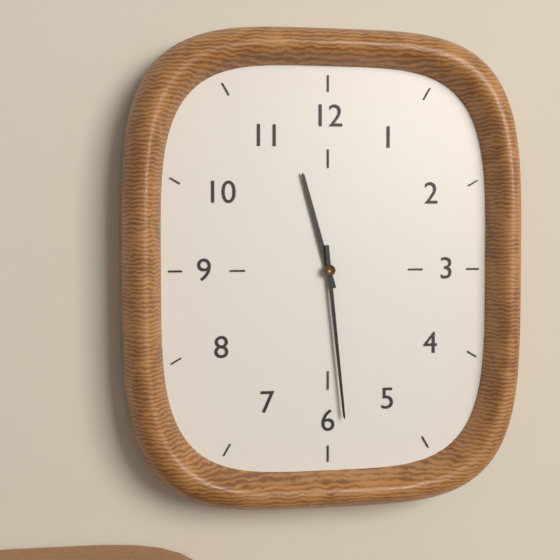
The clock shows h=11 m=29
